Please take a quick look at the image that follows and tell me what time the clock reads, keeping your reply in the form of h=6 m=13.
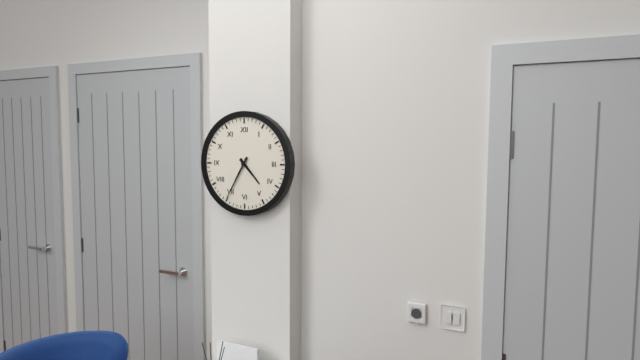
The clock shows h=4 m=35
